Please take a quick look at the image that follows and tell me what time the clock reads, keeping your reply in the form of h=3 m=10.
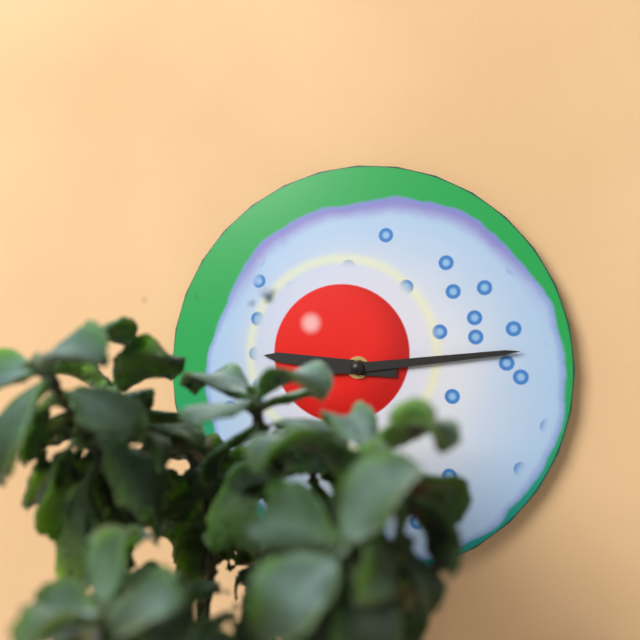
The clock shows h=9 m=14
